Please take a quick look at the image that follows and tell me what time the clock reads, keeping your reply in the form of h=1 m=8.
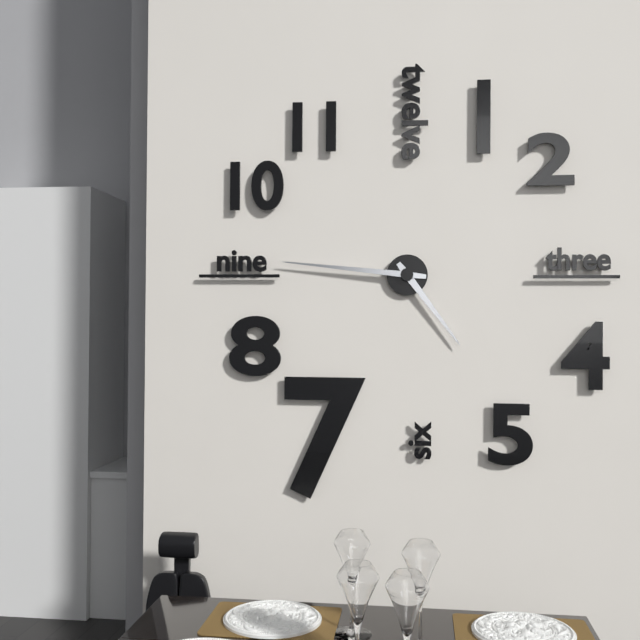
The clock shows h=4 m=46
